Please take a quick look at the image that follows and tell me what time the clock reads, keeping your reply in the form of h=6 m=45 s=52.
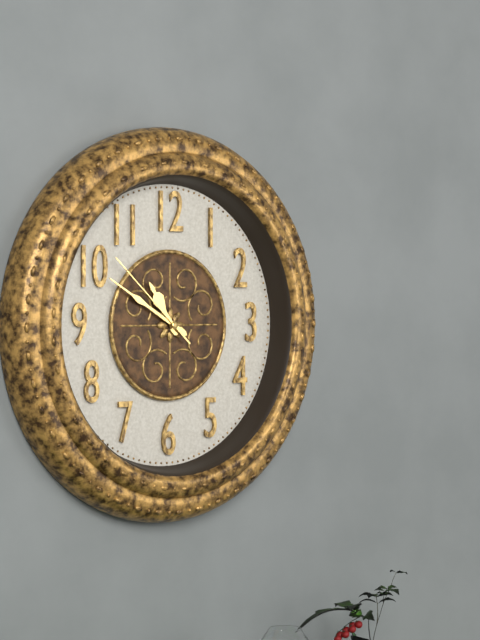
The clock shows h=10 m=50 s=52
